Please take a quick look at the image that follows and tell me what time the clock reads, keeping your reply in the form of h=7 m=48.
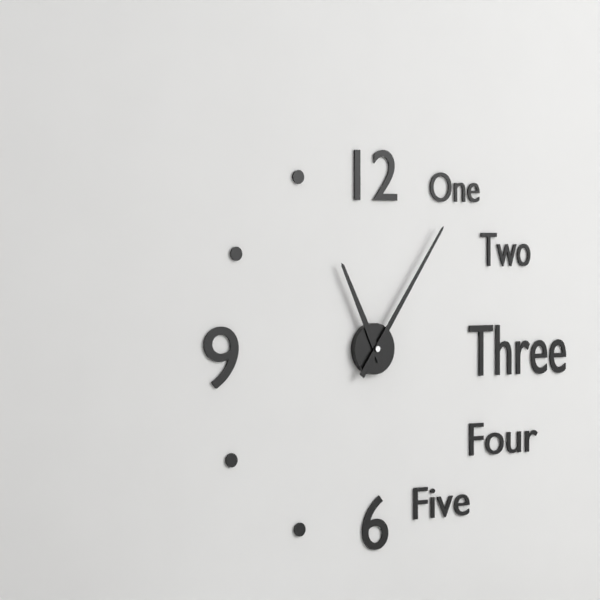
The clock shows h=11 m=6
